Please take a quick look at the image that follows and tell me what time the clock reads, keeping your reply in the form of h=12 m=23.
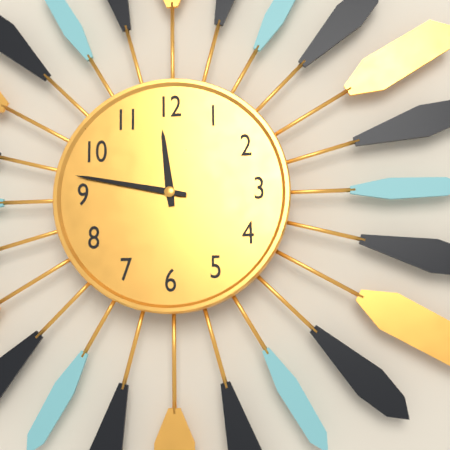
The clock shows h=11 m=47
